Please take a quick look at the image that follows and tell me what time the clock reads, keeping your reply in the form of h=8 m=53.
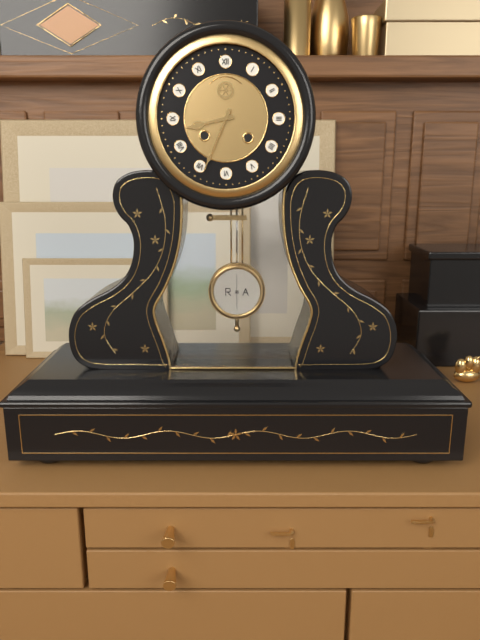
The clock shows h=8 m=34
